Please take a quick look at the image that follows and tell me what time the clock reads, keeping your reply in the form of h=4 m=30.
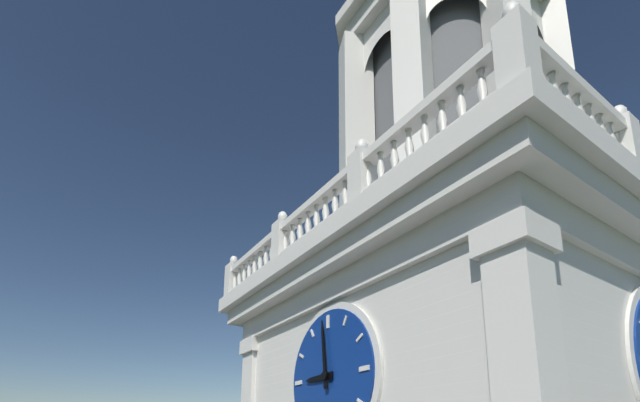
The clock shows h=8 m=59
